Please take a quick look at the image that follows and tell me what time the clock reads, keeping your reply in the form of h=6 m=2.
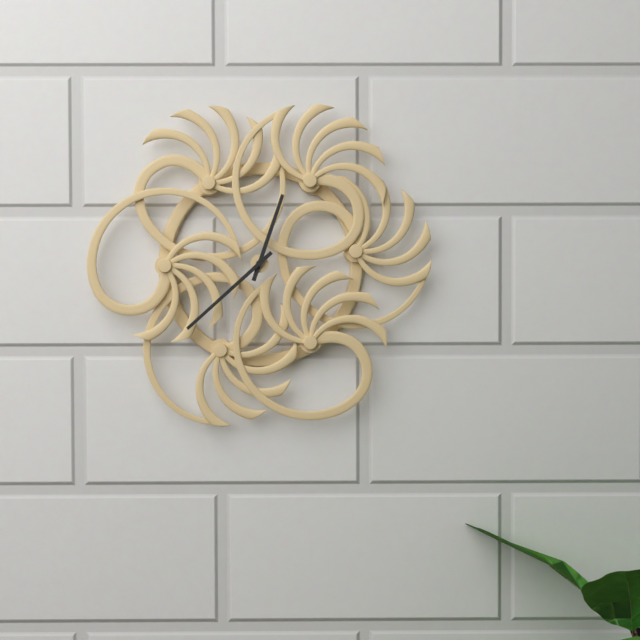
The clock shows h=12 m=38
